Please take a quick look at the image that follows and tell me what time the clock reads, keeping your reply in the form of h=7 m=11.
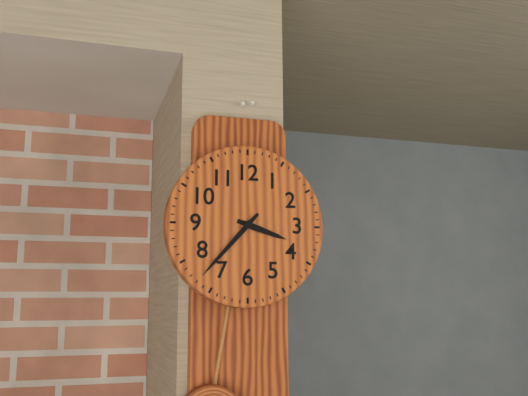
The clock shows h=3 m=37
